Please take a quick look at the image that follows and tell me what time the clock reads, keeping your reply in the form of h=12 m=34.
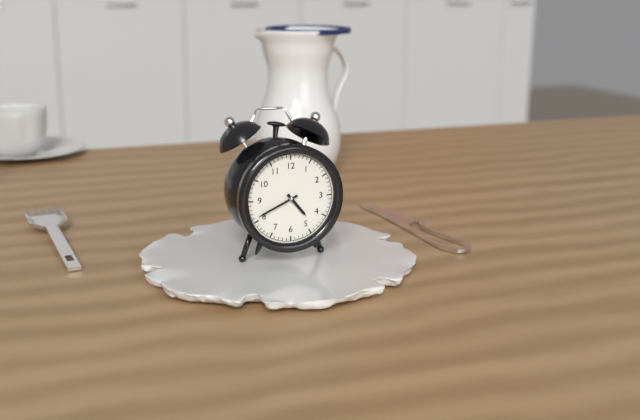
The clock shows h=4 m=41
